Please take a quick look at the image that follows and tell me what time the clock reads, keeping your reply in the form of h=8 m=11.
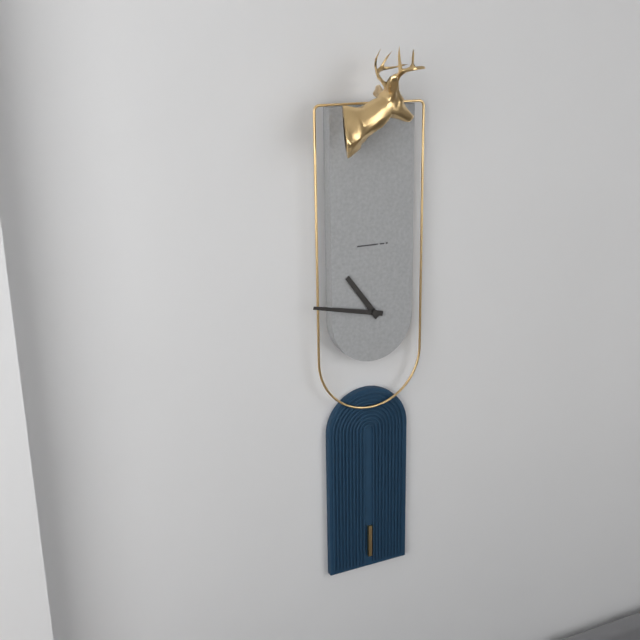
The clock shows h=10 m=47
